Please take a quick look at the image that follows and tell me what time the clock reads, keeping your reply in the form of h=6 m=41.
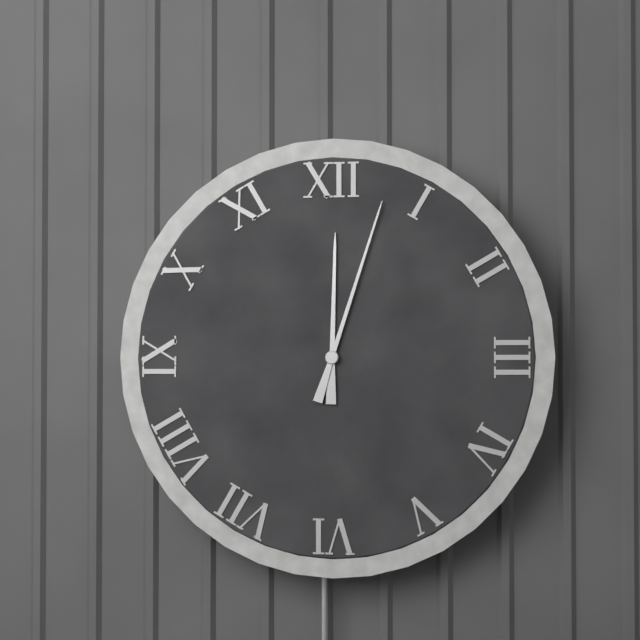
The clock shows h=12 m=3
